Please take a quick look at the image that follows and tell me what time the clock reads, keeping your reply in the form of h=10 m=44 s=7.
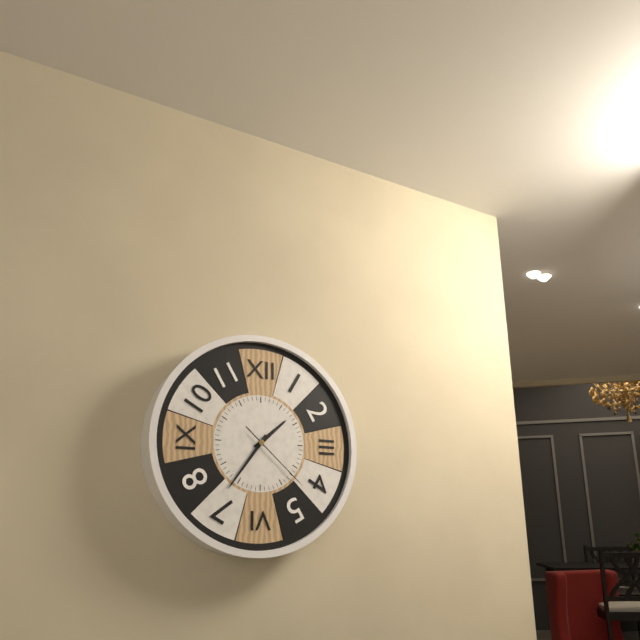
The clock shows h=1 m=36 s=22
